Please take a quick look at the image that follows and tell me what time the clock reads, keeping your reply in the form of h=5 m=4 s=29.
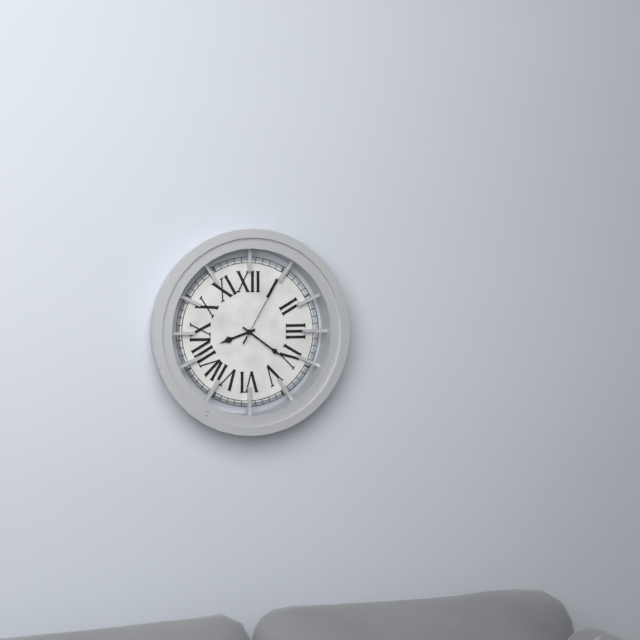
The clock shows h=8 m=21 s=5
